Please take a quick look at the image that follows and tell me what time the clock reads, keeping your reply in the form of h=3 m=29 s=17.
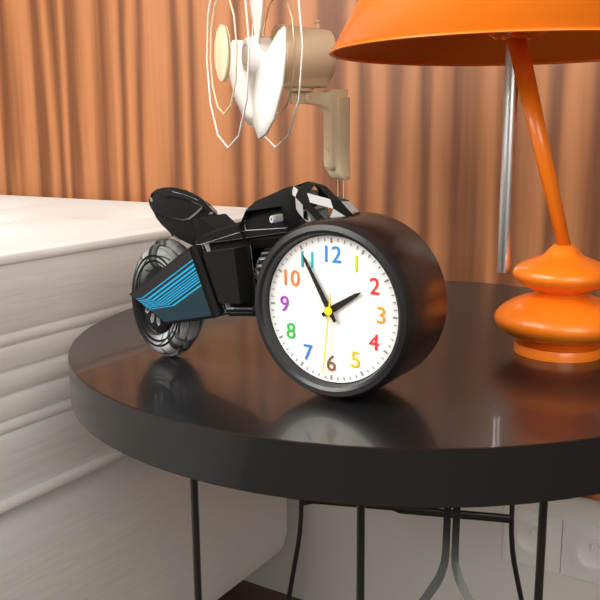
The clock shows h=1 m=55 s=31
